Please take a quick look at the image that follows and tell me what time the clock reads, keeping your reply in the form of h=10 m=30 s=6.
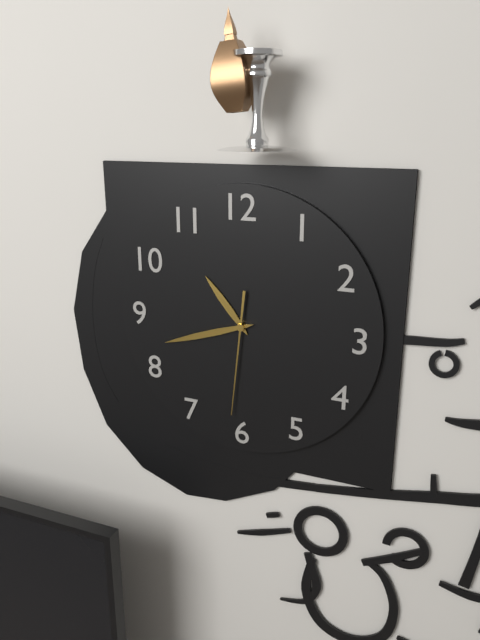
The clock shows h=10 m=42 s=31
